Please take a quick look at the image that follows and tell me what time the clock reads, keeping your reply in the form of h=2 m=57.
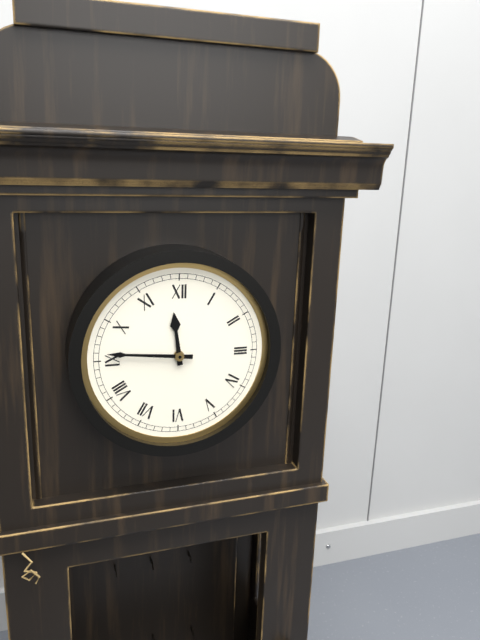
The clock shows h=11 m=46
